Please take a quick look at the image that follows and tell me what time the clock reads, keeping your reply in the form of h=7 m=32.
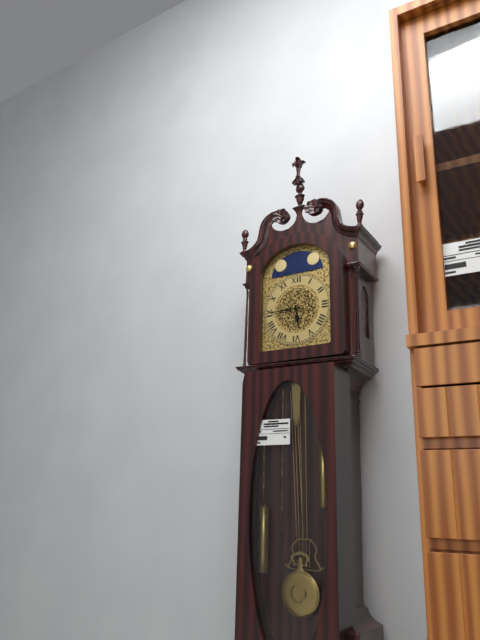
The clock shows h=5 m=45
